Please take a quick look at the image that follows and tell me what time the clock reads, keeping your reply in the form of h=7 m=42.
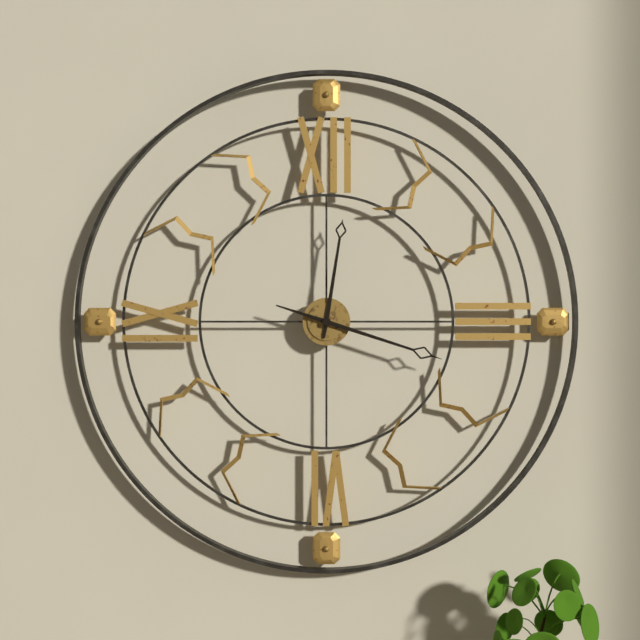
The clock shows h=12 m=18
